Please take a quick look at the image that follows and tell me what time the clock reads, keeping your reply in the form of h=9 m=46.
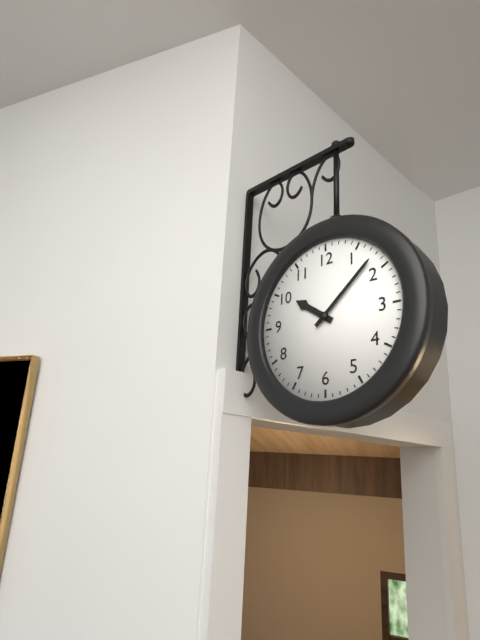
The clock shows h=10 m=8
